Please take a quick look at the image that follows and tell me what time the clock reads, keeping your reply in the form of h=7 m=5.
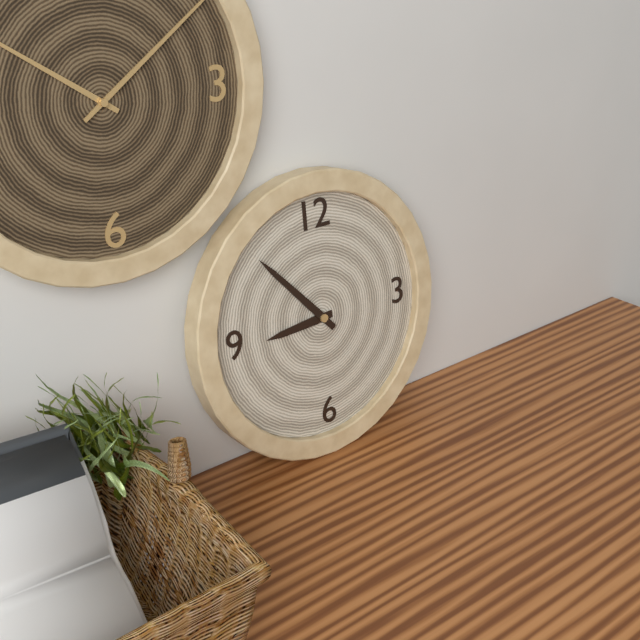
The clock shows h=8 m=53
